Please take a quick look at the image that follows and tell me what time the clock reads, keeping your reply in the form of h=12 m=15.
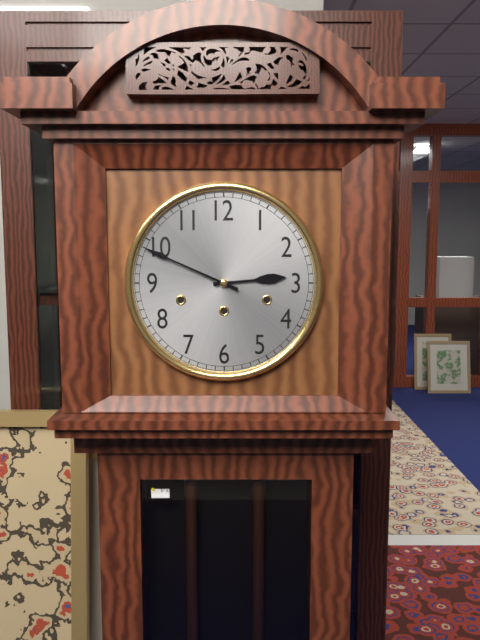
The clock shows h=2 m=49
